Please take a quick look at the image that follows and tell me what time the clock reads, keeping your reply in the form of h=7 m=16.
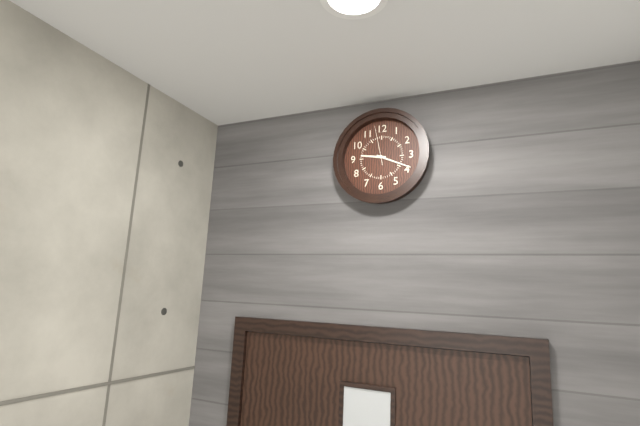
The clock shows h=9 m=19
